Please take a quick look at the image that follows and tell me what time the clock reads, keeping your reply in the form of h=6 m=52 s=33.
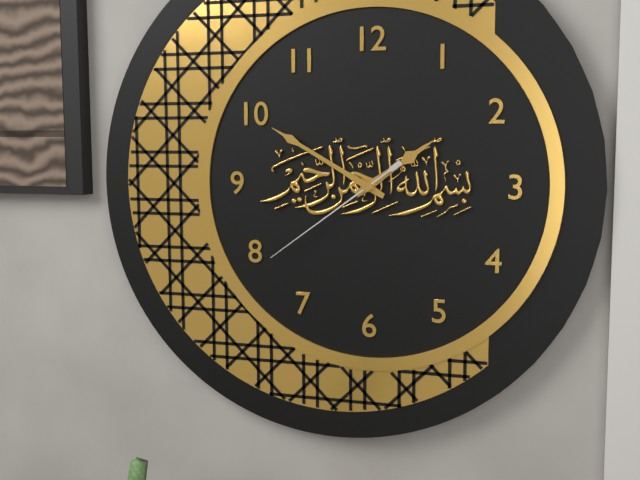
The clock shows h=1 m=50 s=39
